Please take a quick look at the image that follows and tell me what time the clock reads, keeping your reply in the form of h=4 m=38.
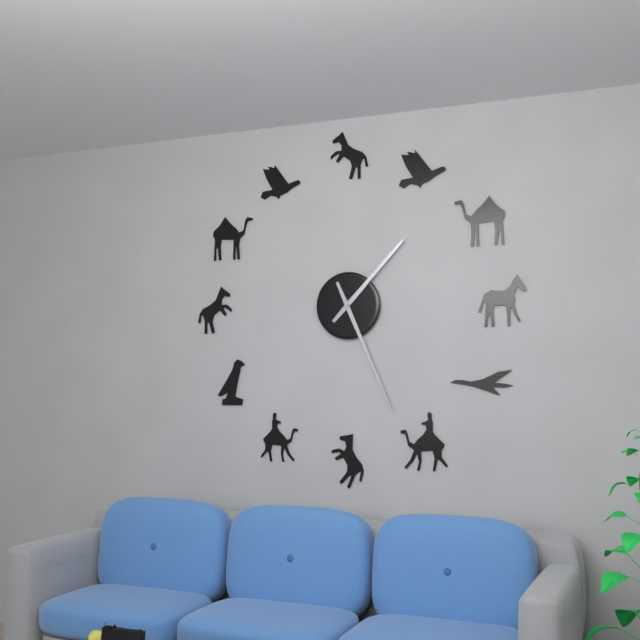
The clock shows h=1 m=26
